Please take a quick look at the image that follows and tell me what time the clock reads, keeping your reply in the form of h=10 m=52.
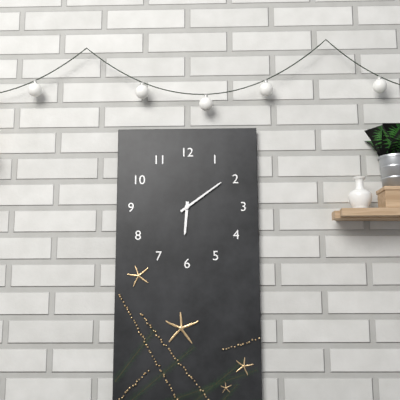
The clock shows h=6 m=9
